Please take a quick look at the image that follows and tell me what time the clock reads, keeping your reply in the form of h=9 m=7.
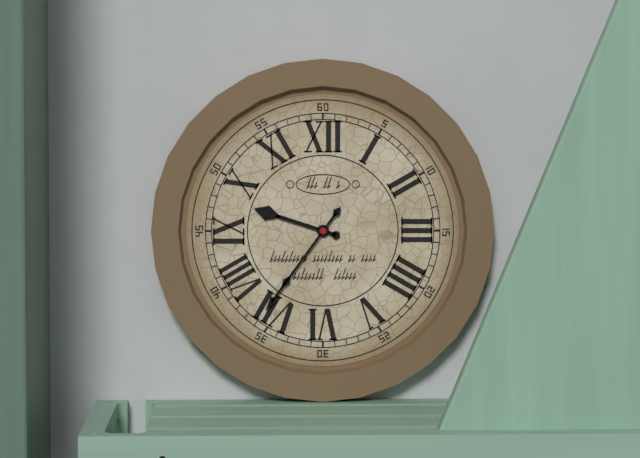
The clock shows h=9 m=36
